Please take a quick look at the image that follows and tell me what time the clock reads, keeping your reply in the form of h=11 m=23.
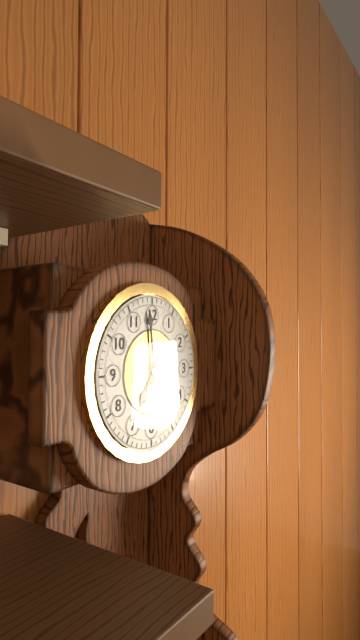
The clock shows h=6 m=59
